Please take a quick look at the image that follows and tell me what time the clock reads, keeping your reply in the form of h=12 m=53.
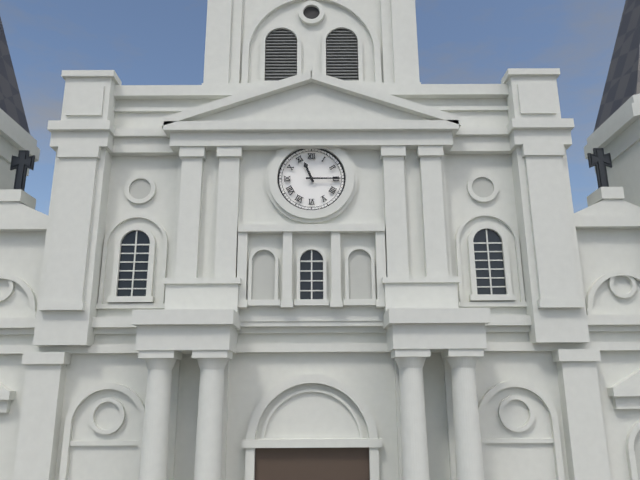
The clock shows h=11 m=15
